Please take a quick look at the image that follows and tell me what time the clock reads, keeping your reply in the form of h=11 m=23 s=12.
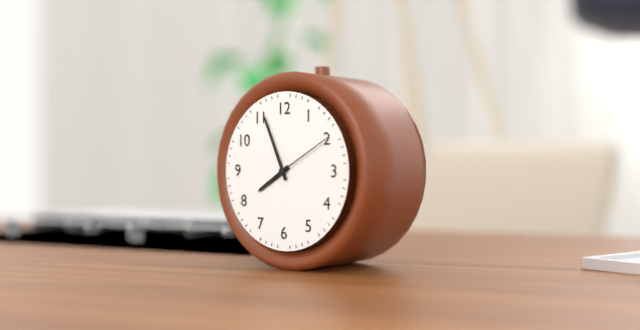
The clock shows h=7 m=56 s=10
